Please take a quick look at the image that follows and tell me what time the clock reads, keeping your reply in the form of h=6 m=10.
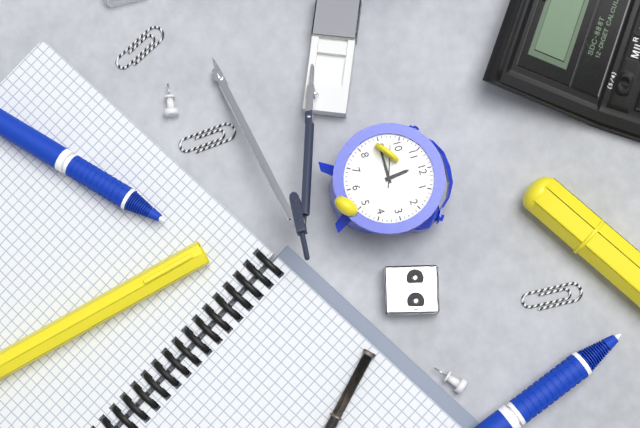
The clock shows h=11 m=45
